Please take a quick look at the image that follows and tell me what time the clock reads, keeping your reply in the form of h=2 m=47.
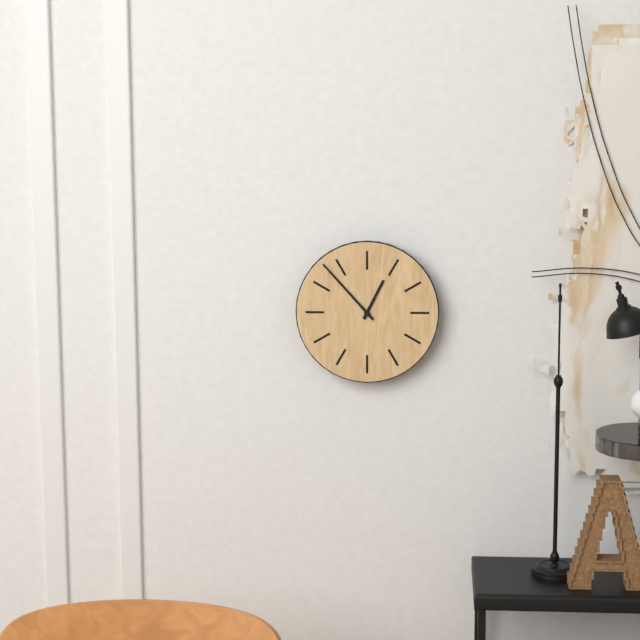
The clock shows h=12 m=53
